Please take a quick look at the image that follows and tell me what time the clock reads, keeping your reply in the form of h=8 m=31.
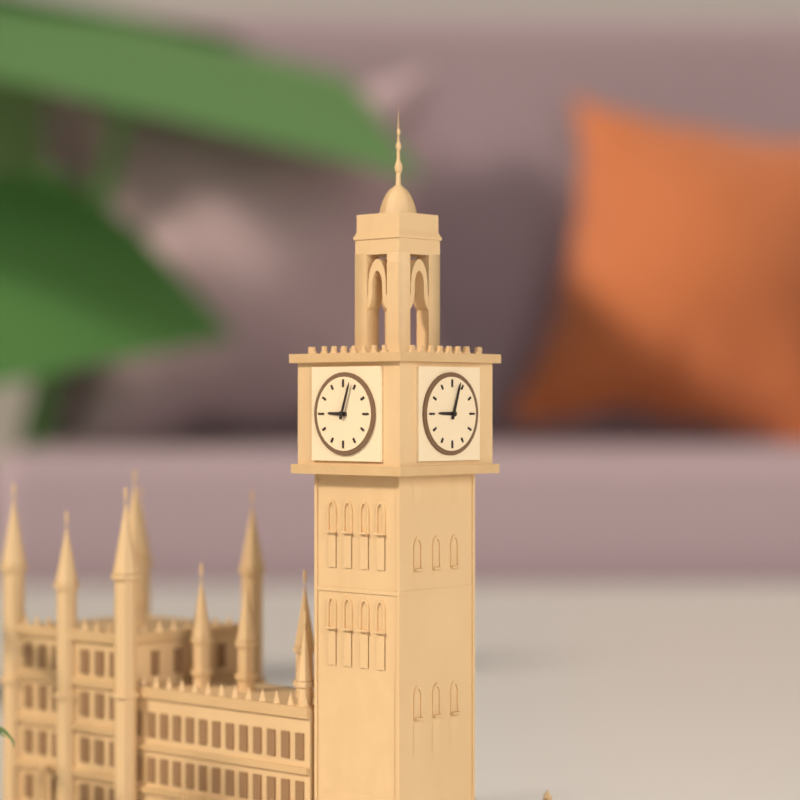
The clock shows h=9 m=3
